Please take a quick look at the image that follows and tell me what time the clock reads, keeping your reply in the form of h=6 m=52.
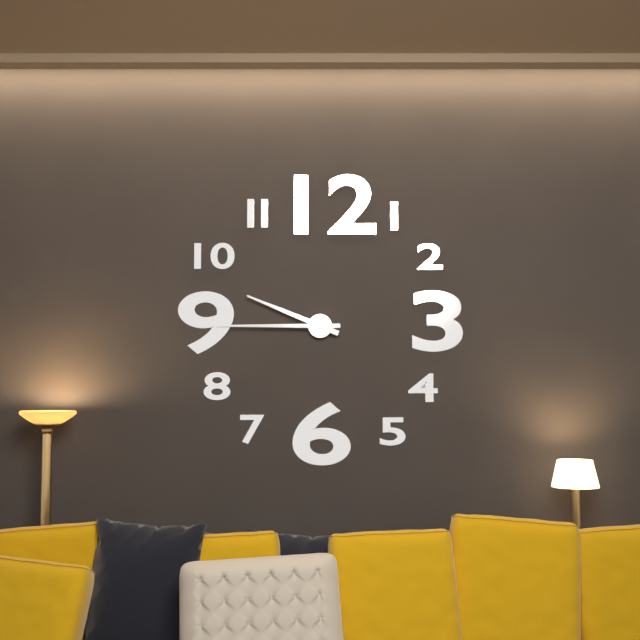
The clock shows h=9 m=45
